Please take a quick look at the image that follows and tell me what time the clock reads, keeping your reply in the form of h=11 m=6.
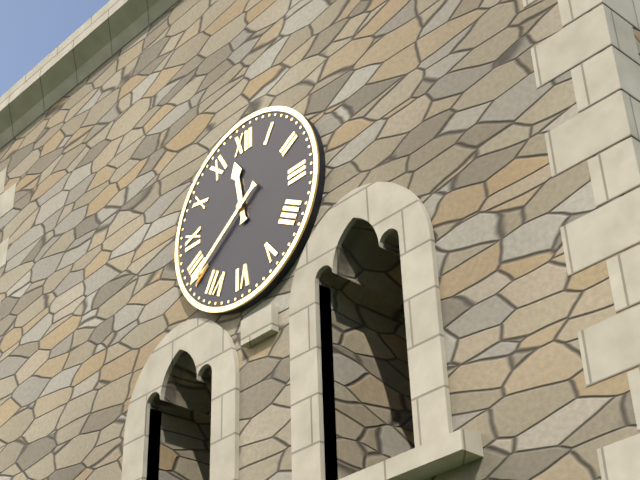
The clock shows h=11 m=39
